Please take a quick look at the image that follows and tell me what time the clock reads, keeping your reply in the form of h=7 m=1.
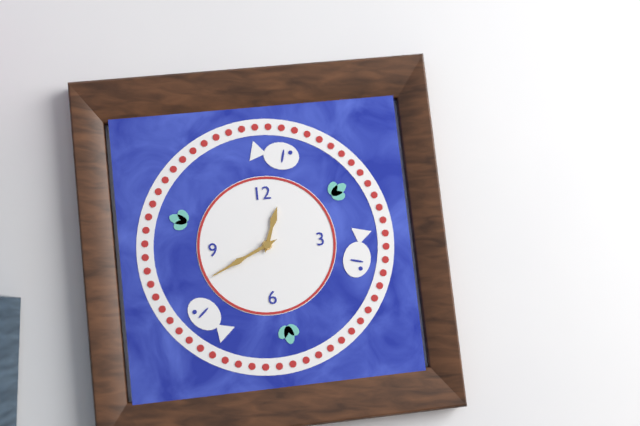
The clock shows h=12 m=41
